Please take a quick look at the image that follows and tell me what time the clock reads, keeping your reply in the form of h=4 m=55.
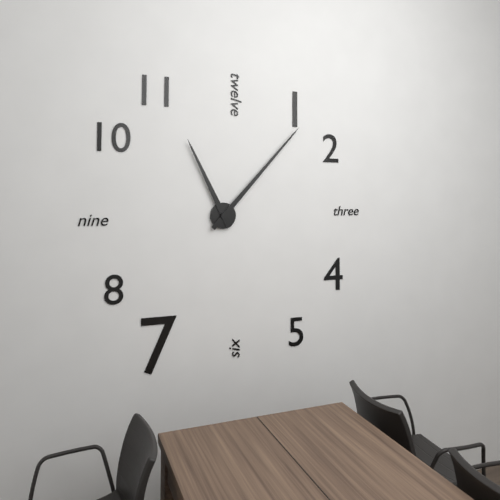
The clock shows h=11 m=7
